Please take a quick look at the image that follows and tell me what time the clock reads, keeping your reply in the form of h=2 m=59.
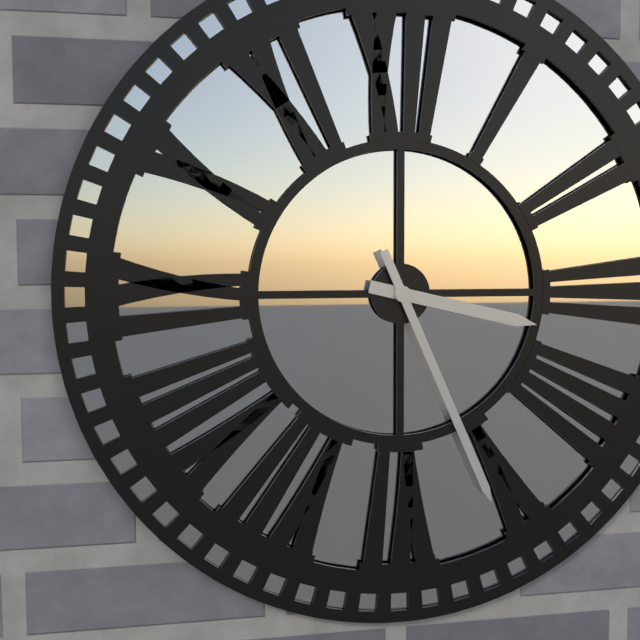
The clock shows h=3 m=26
